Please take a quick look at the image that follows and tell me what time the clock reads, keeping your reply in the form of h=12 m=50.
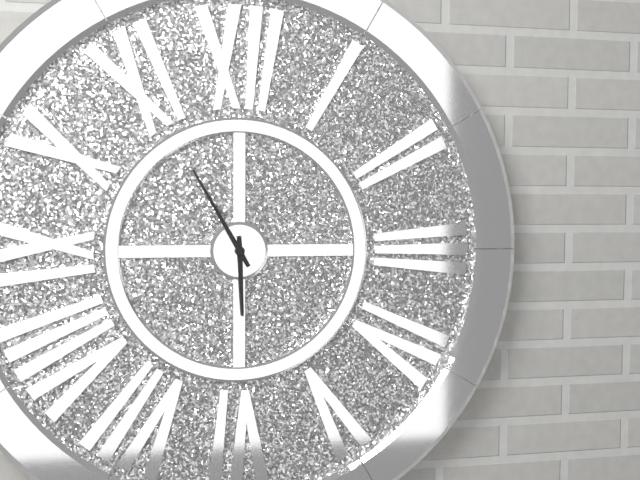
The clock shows h=5 m=55
